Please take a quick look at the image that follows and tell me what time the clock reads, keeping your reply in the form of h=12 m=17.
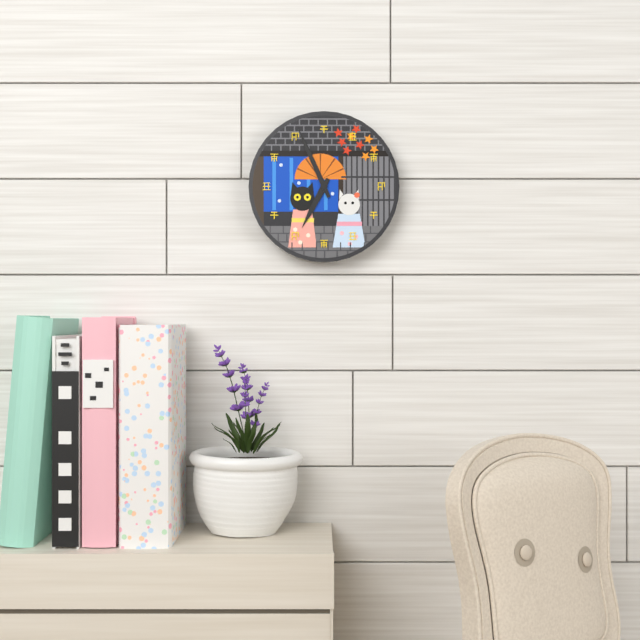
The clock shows h=6 m=56
